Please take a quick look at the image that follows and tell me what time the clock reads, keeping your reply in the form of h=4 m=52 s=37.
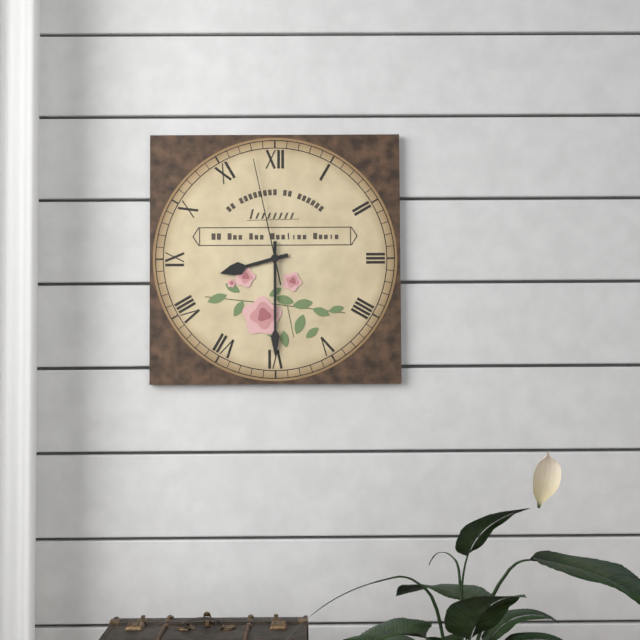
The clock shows h=8 m=30 s=58
